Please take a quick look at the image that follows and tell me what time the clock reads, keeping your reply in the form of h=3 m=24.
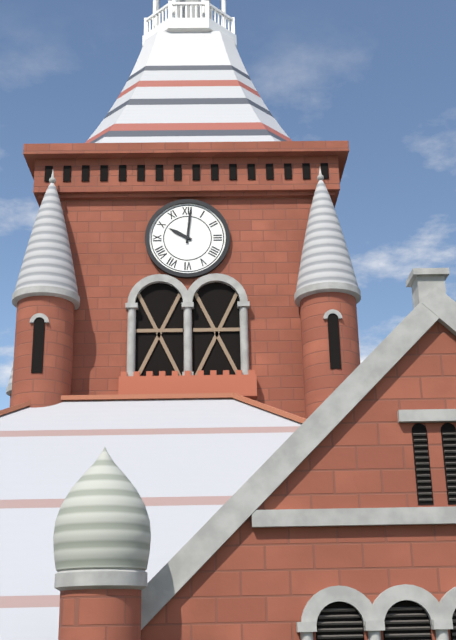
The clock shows h=10 m=1
